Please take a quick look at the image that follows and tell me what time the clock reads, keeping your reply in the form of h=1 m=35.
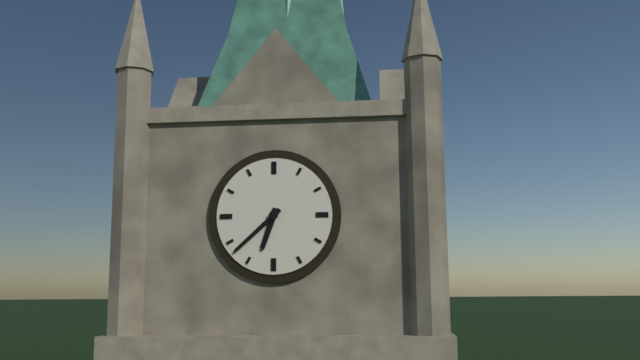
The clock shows h=6 m=38
